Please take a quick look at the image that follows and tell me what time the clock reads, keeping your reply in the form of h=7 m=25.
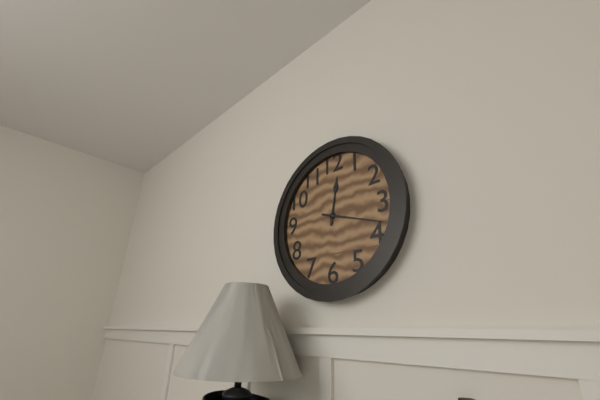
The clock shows h=12 m=18
